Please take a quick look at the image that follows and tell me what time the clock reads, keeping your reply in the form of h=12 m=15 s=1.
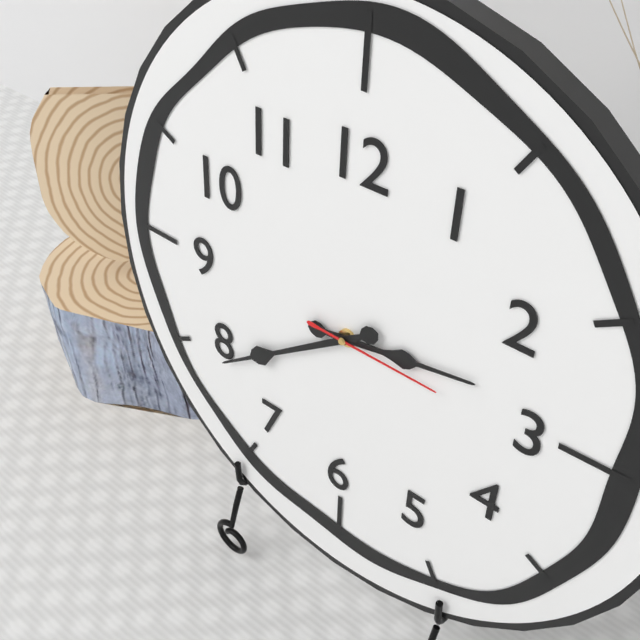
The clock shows h=2 m=39 s=15
